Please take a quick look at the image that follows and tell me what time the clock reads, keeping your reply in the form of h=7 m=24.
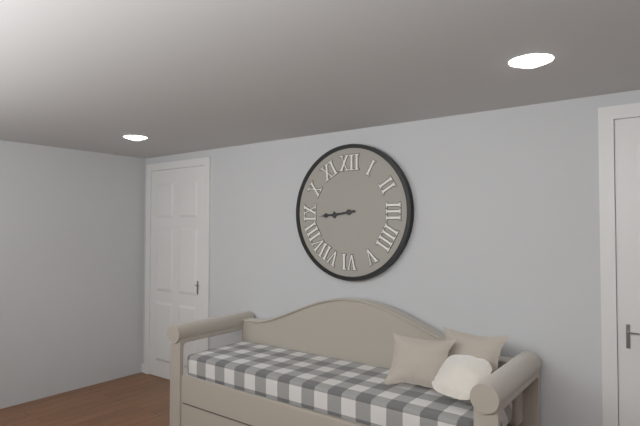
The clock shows h=8 m=44
